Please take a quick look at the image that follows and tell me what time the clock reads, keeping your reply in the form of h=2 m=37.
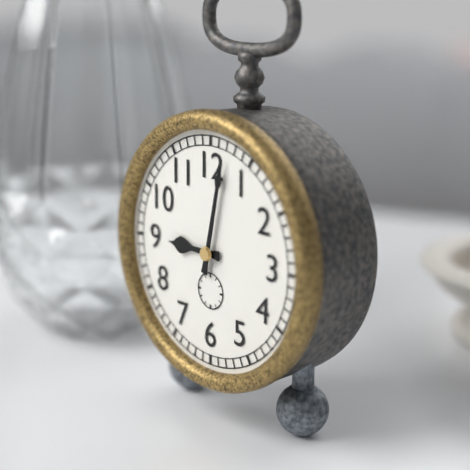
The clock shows h=9 m=2
